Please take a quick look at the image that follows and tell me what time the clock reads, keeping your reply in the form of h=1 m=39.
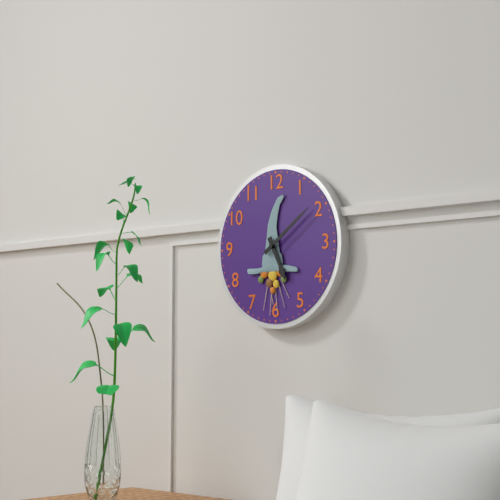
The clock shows h=5 m=9
